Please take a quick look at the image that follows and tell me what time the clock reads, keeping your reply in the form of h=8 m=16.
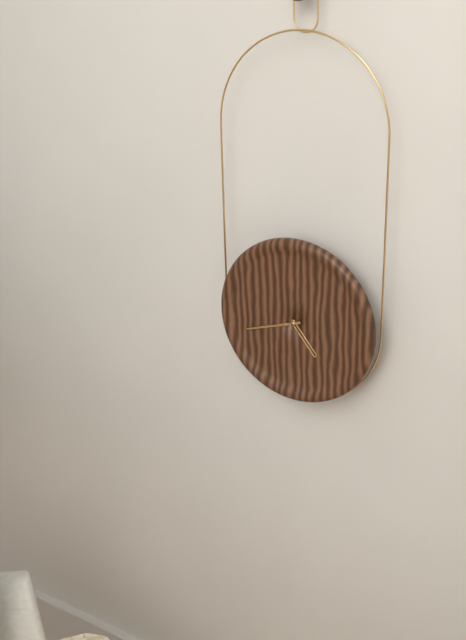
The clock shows h=4 m=42
